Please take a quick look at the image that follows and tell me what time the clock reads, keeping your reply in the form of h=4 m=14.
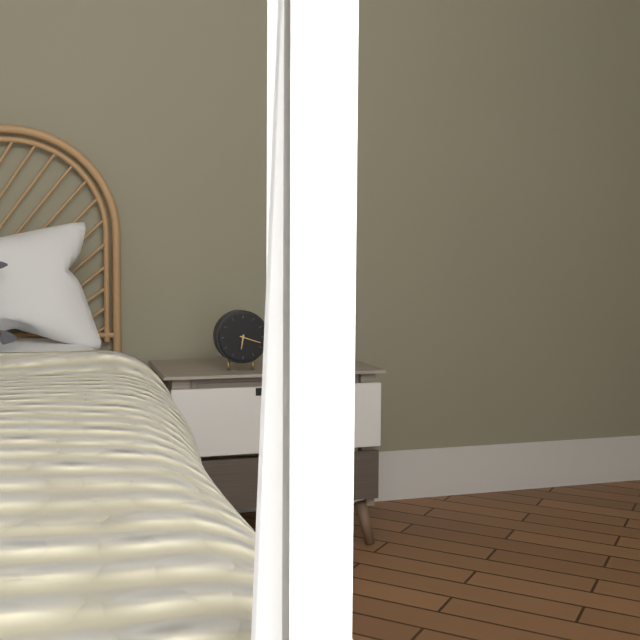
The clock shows h=6 m=18
